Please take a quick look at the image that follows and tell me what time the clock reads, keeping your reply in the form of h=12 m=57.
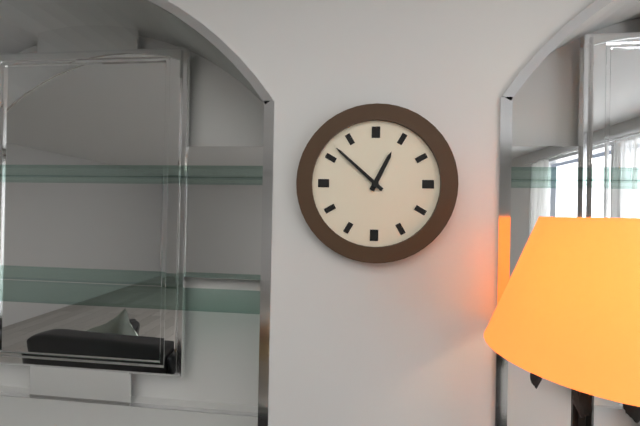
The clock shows h=12 m=52
